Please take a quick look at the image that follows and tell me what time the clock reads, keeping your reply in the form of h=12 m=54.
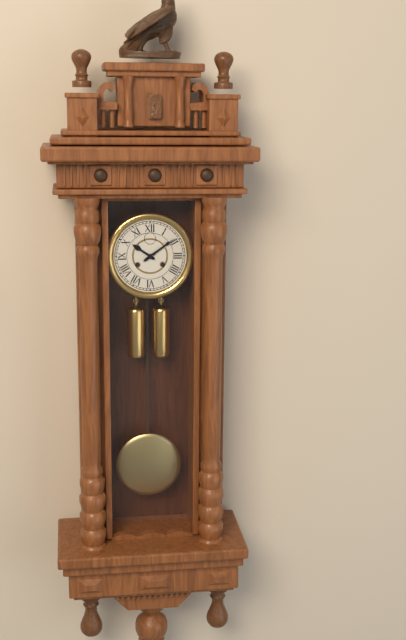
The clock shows h=10 m=9
